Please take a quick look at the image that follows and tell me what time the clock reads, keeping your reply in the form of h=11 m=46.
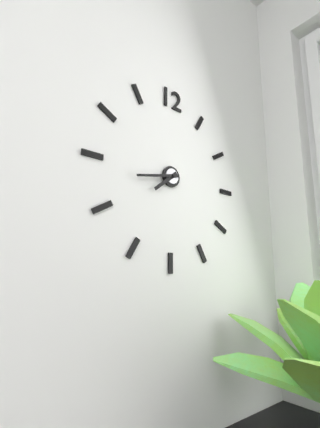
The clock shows h=7 m=43
